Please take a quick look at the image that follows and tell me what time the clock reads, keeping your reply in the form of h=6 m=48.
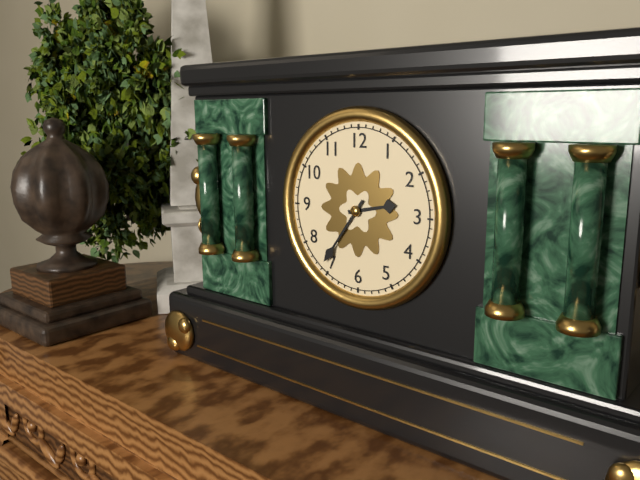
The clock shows h=2 m=36
